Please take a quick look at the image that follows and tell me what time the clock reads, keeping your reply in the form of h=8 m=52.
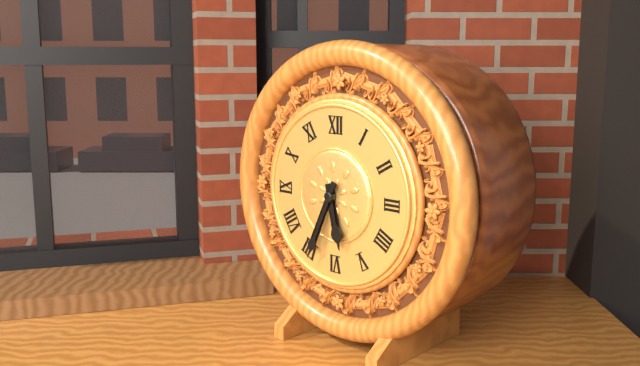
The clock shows h=5 m=34
